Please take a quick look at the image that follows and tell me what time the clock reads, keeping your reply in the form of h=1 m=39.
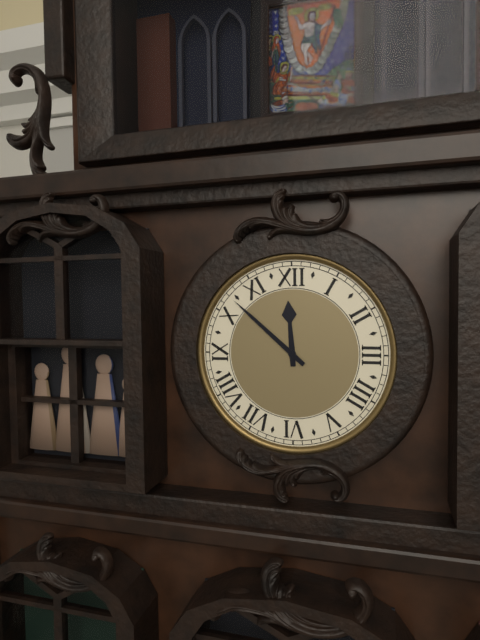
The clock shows h=11 m=52
